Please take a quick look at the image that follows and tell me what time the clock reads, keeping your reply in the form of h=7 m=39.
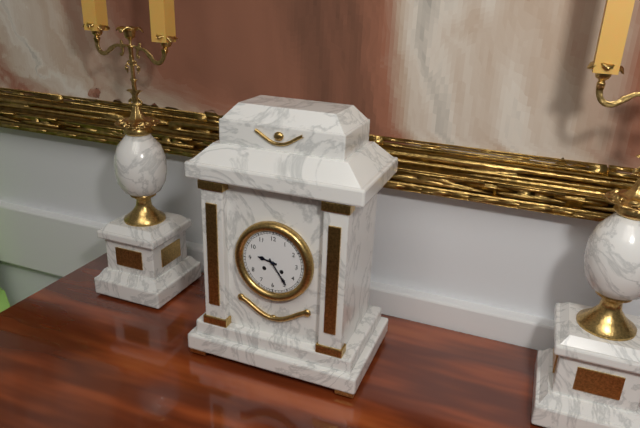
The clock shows h=9 m=24
